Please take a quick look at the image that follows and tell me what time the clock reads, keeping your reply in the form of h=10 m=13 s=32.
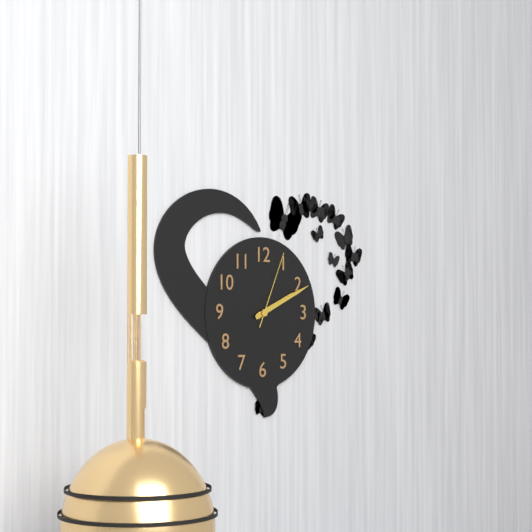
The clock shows h=2 m=11 s=4
